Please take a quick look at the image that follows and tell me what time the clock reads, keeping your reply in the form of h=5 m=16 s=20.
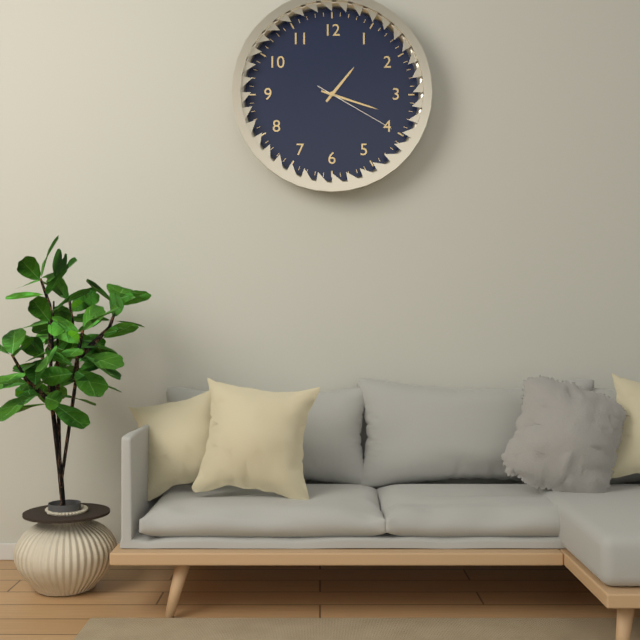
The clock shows h=1 m=18 s=20
